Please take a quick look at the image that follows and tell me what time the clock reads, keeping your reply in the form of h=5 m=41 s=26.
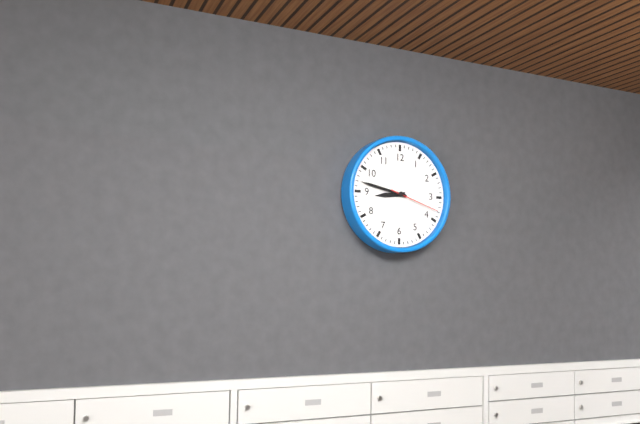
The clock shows h=8 m=47 s=18
